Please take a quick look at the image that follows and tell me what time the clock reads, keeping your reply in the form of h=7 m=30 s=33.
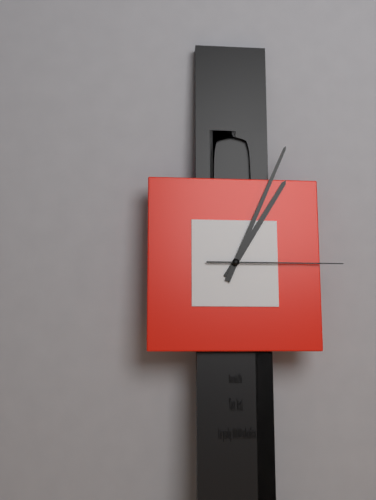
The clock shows h=1 m=4 s=15
